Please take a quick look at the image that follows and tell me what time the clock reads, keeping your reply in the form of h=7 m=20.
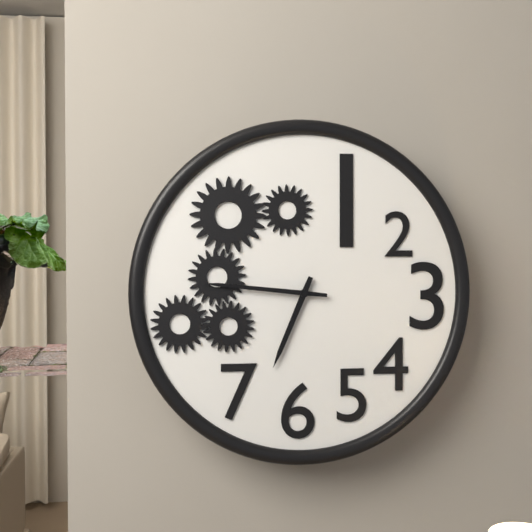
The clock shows h=6 m=46
